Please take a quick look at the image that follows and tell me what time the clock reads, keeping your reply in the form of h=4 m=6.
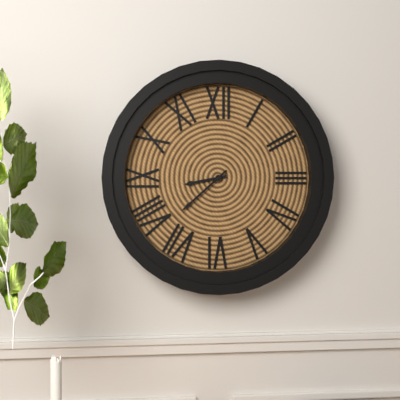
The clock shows h=8 m=38
